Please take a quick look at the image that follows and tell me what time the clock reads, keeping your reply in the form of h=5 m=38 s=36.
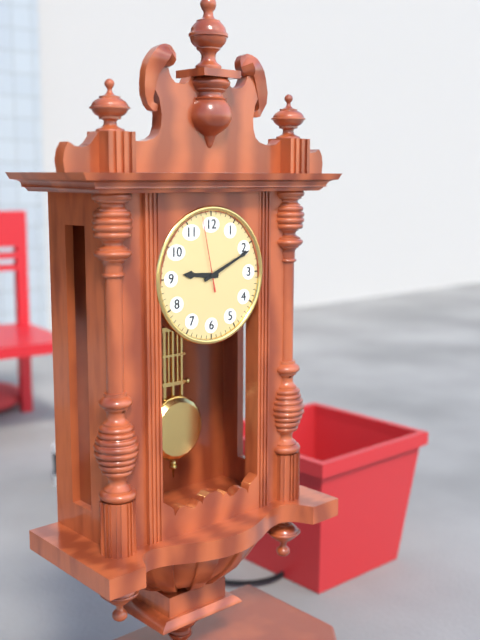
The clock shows h=9 m=11 s=58
